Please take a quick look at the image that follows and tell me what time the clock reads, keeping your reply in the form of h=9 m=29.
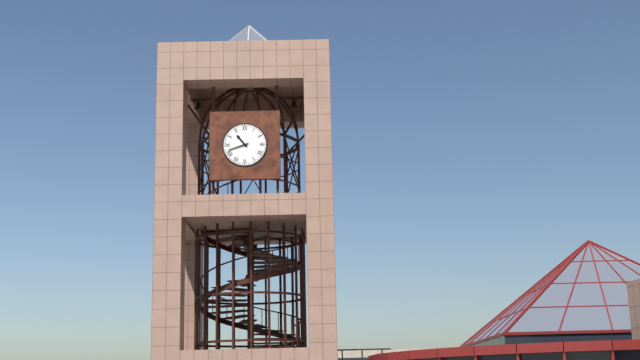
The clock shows h=10 m=42
